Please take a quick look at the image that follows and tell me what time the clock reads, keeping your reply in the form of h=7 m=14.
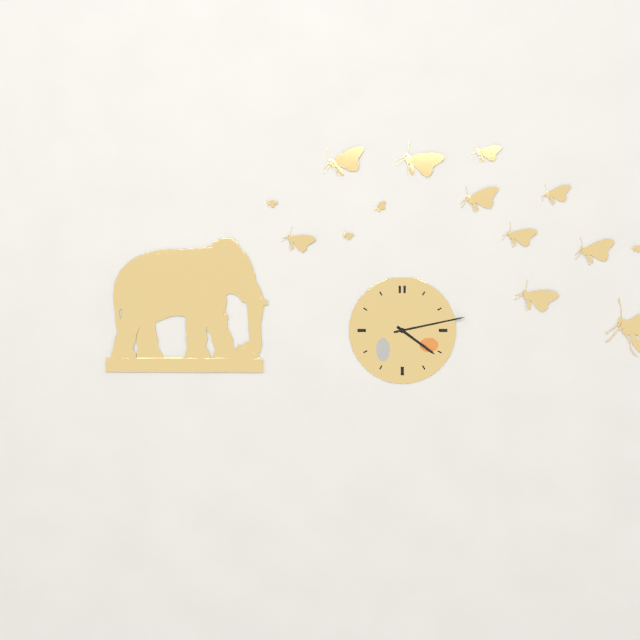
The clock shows h=4 m=13
